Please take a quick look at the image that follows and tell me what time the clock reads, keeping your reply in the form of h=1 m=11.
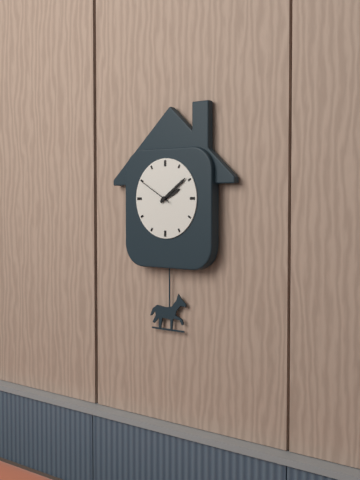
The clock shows h=2 m=9
